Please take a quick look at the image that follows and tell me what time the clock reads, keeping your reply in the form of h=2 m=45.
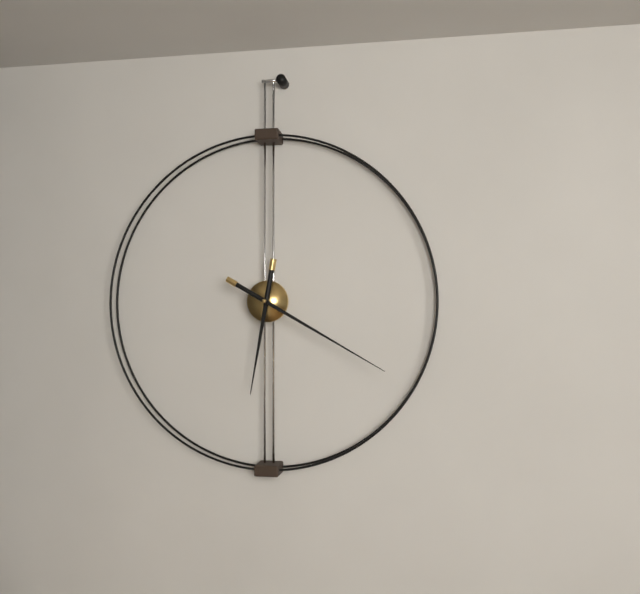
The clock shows h=6 m=20
